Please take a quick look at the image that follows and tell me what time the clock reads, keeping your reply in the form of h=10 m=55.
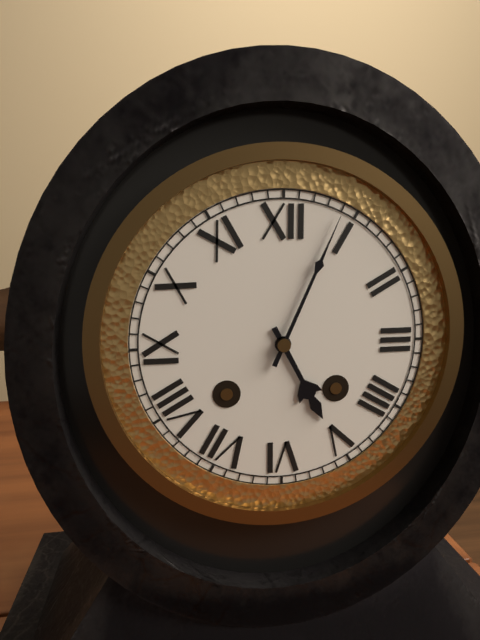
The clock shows h=5 m=4
